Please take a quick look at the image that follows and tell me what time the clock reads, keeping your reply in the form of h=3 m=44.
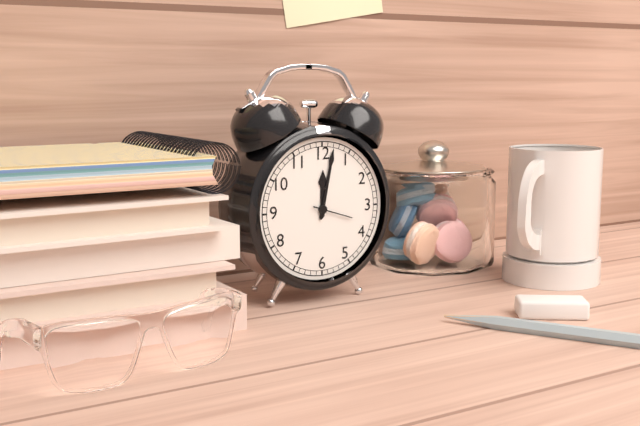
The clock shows h=12 m=2
